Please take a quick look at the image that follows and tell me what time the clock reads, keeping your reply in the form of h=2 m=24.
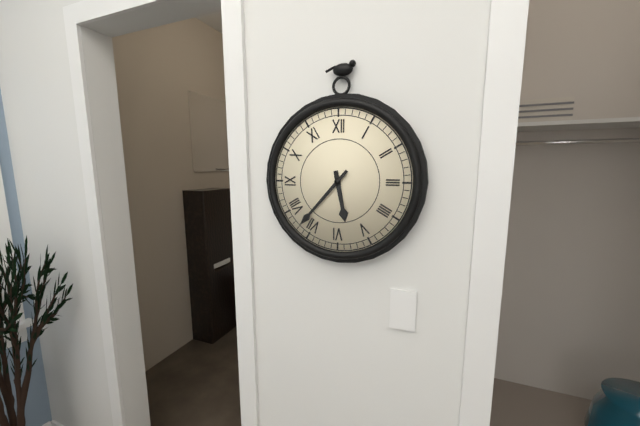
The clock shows h=5 m=37
